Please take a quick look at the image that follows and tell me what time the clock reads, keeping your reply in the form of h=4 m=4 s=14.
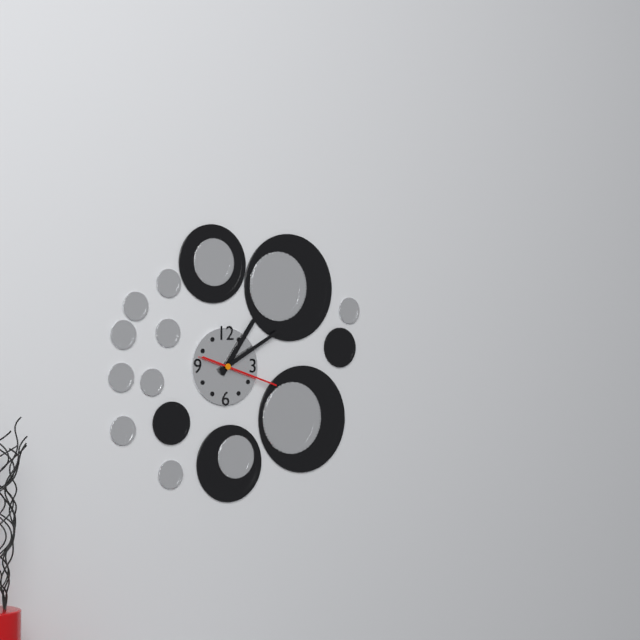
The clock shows h=1 m=10 s=18
